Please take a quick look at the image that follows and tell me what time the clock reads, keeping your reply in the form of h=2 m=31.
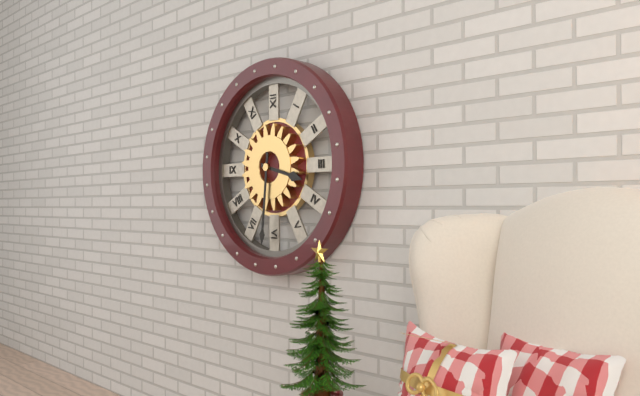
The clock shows h=3 m=31
